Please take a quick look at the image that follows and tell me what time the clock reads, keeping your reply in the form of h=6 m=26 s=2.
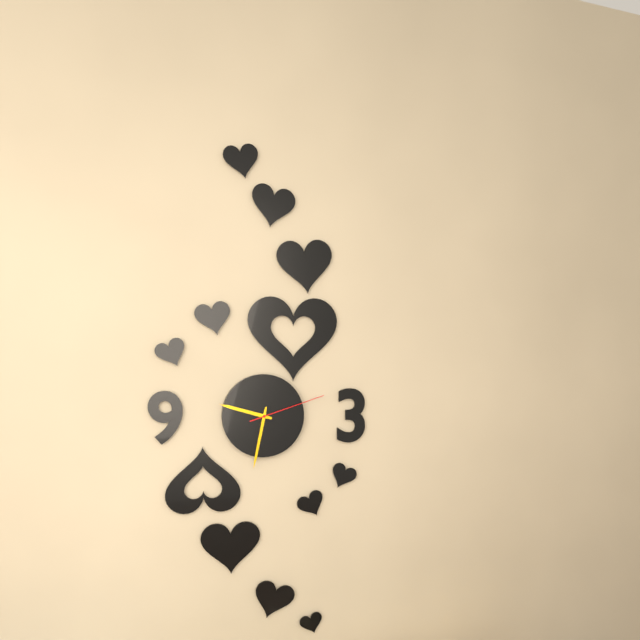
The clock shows h=9 m=32 s=12
